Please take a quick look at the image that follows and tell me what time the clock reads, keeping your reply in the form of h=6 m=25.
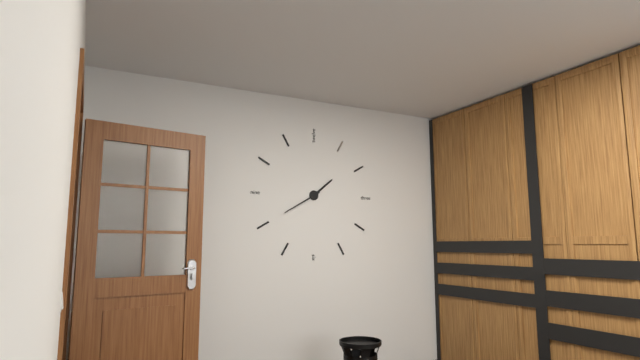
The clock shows h=1 m=40
